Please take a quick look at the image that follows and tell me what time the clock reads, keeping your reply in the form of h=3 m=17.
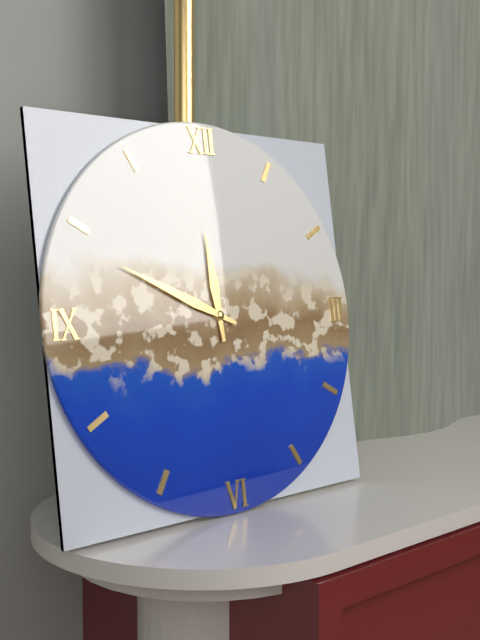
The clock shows h=11 m=49
